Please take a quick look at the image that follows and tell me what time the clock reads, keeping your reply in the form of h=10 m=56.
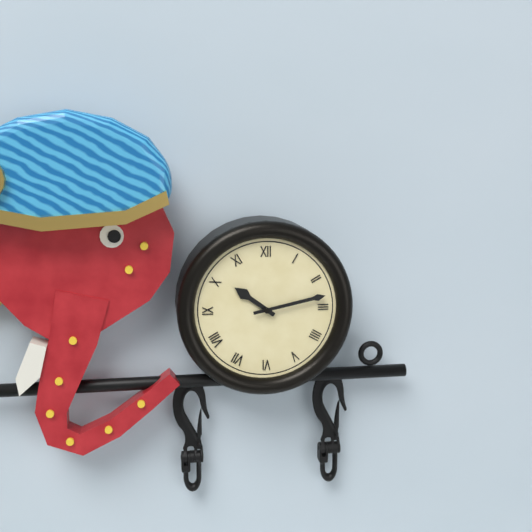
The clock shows h=10 m=13
